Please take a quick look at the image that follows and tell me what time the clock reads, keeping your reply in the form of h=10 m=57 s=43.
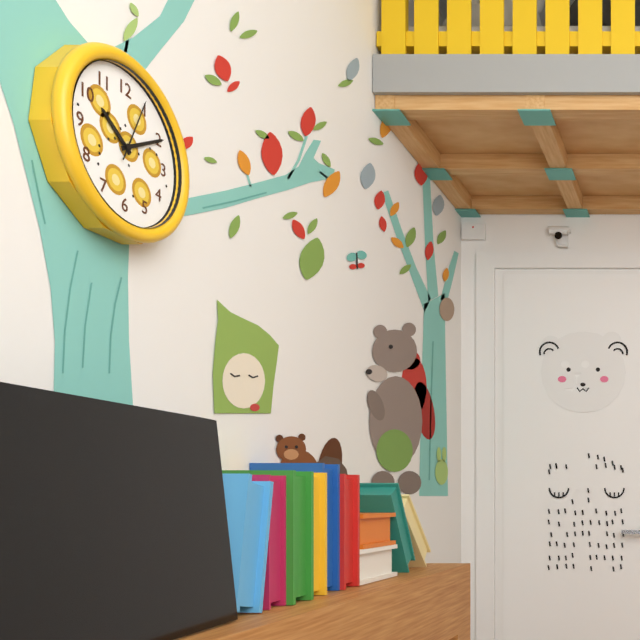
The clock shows h=10 m=10 s=4
